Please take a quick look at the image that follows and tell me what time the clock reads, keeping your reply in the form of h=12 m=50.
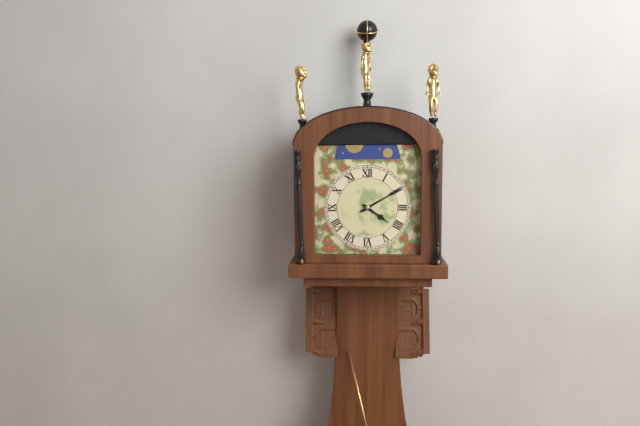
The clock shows h=4 m=10
